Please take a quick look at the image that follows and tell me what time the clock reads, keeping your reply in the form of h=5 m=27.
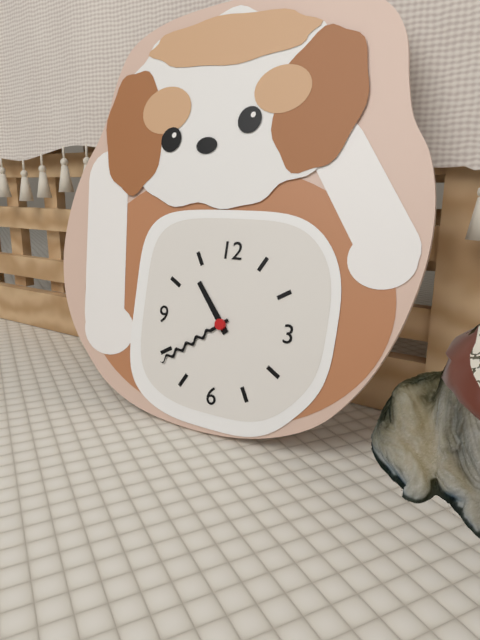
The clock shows h=10 m=39
